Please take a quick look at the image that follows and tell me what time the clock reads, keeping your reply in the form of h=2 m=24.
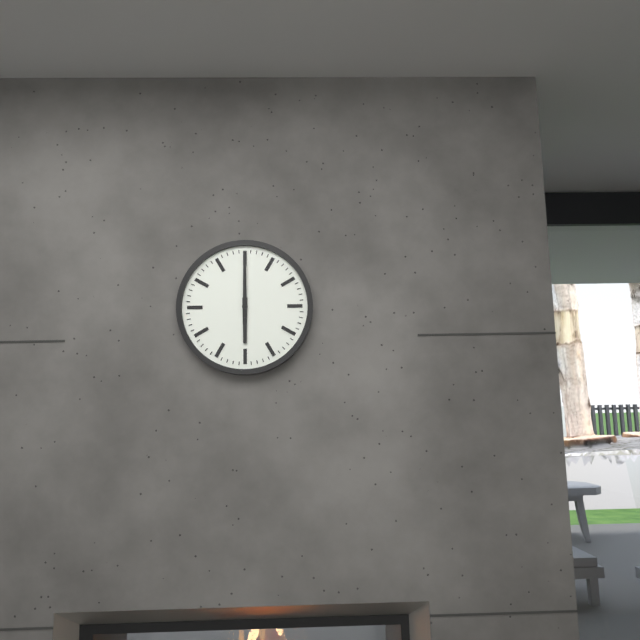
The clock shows h=6 m=0
